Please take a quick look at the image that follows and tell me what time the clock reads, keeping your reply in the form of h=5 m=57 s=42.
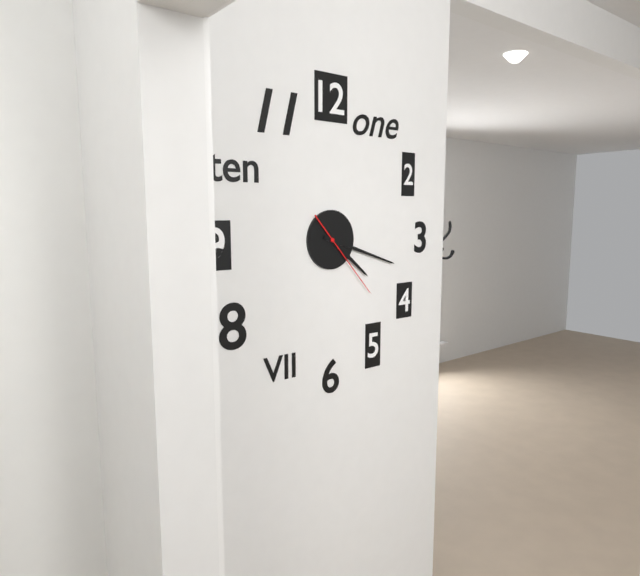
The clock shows h=4 m=18 s=23
